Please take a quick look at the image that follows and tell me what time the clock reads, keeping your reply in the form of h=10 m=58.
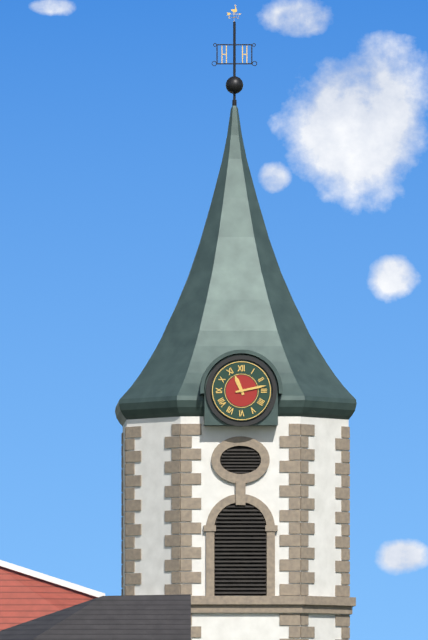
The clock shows h=11 m=13
